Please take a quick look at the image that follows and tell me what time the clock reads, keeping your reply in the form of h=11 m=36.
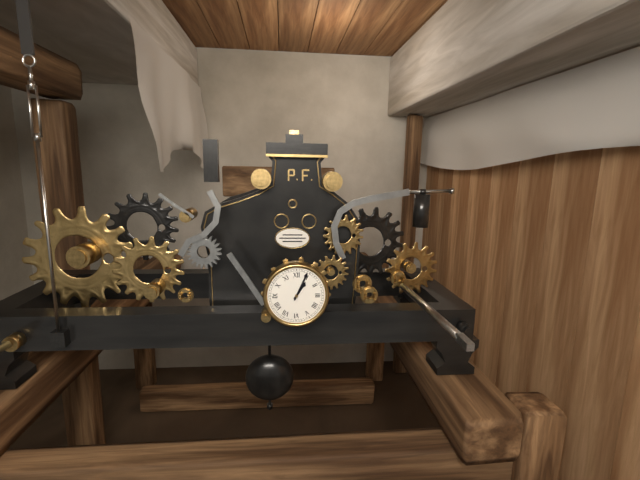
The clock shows h=1 m=4
